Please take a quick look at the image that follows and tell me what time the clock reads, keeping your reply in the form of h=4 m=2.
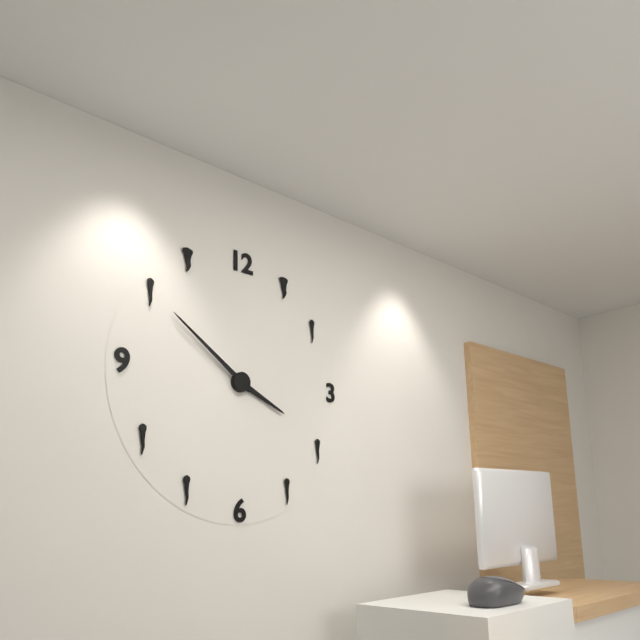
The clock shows h=3 m=51
